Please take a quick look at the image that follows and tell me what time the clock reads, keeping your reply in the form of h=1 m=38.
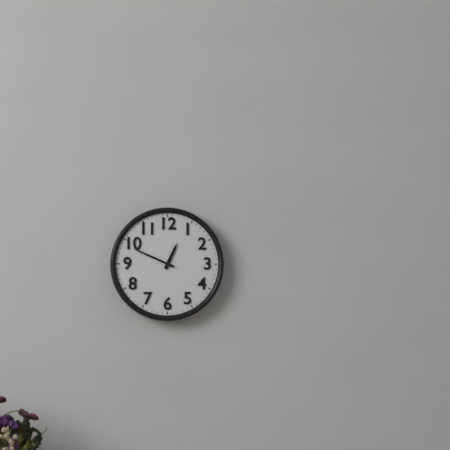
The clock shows h=12 m=49
